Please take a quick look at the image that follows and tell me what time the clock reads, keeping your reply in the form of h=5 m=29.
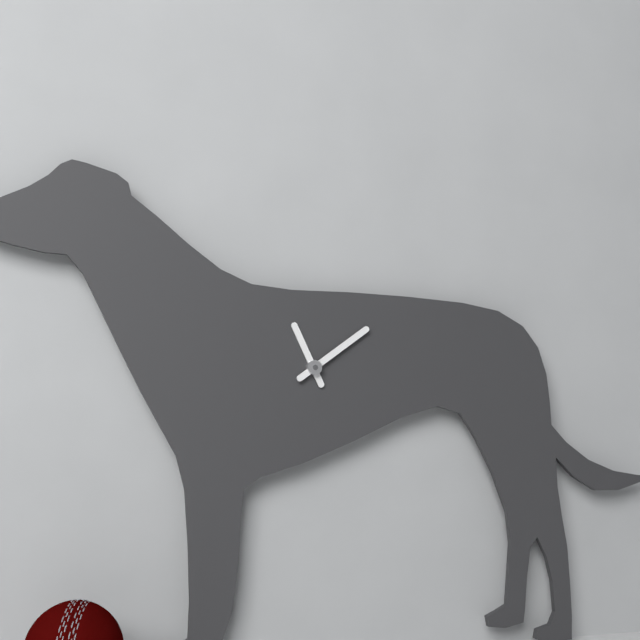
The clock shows h=11 m=9
